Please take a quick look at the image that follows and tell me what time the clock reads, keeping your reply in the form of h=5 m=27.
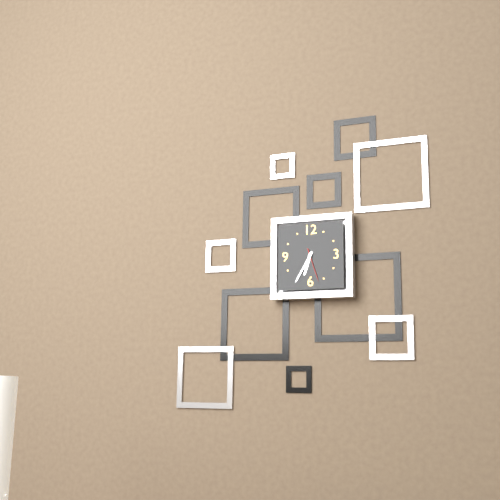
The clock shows h=6 m=35
